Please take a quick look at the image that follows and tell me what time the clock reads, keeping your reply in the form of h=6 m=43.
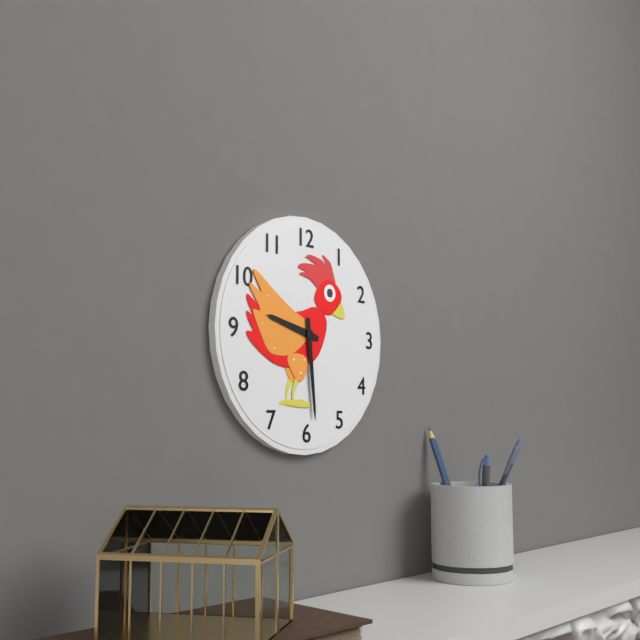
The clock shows h=9 m=29
